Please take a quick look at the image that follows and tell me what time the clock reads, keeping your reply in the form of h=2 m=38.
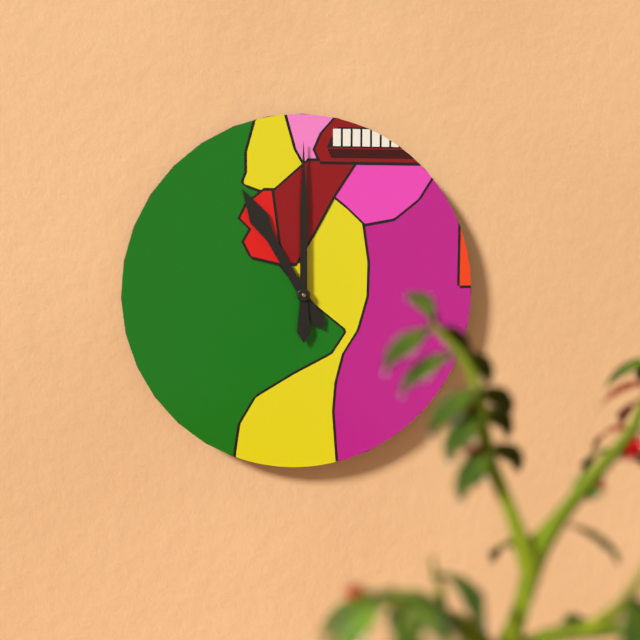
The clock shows h=11 m=0
